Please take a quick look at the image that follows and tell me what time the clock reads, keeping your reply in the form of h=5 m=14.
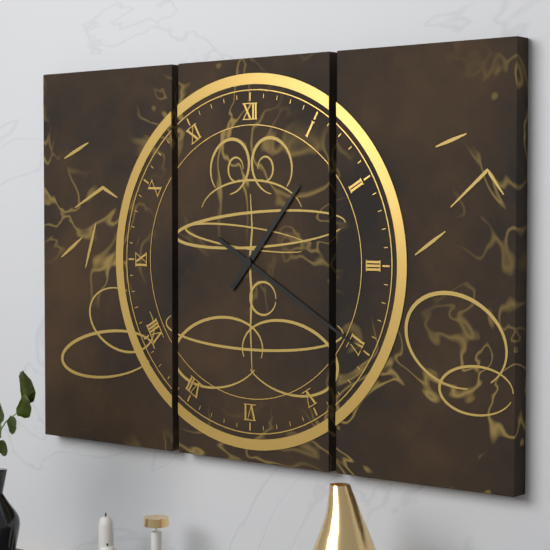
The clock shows h=1 m=20
